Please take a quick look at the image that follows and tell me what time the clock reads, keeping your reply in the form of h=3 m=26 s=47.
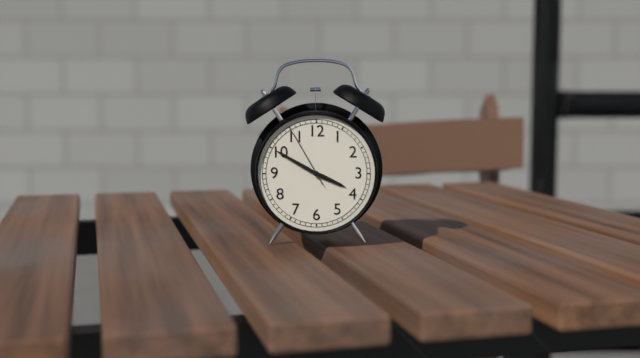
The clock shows h=3 m=50 s=55
